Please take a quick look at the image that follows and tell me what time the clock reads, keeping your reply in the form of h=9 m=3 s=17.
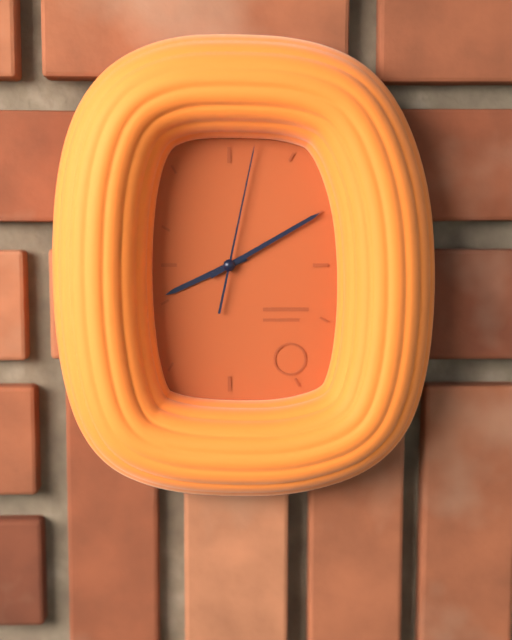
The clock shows h=8 m=10 s=2
